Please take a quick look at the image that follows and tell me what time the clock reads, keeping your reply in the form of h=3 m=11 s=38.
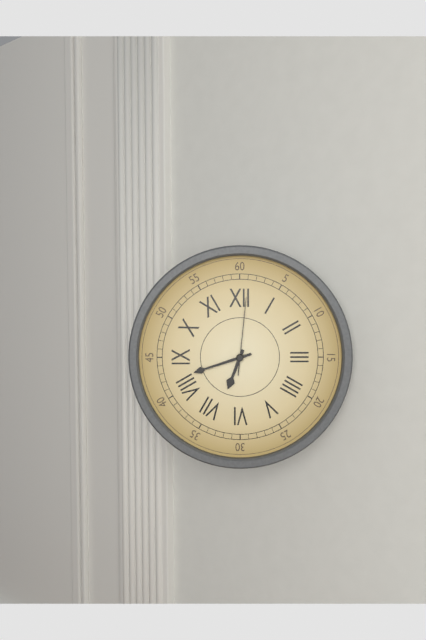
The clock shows h=6 m=42 s=1
